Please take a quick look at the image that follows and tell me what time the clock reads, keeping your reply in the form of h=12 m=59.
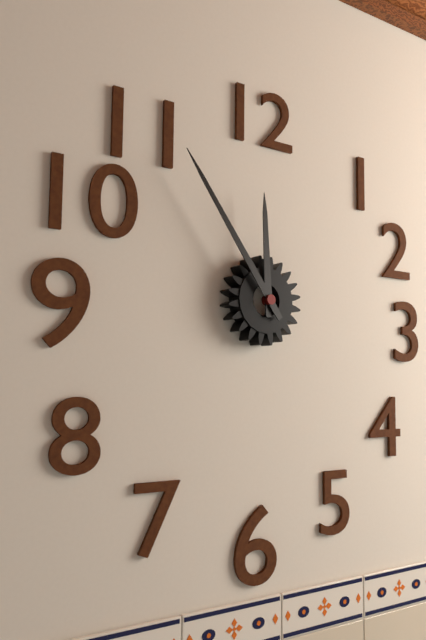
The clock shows h=11 m=54
